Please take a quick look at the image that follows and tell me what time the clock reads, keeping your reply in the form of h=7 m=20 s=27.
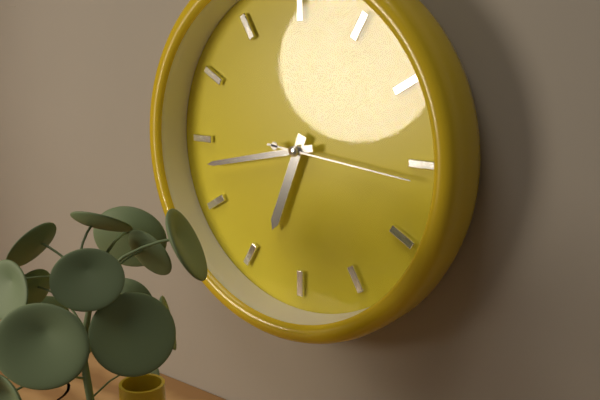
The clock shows h=6 m=43 s=16
